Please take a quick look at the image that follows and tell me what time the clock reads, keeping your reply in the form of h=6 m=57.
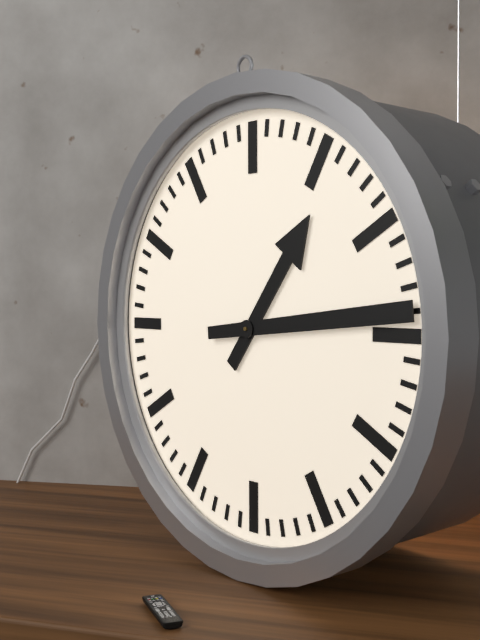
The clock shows h=1 m=14
